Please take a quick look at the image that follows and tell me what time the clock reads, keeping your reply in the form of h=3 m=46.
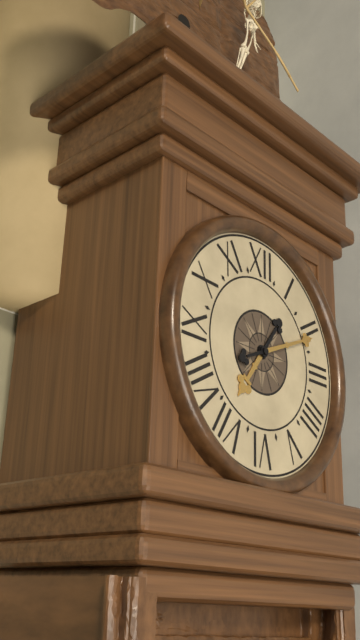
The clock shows h=7 m=11
